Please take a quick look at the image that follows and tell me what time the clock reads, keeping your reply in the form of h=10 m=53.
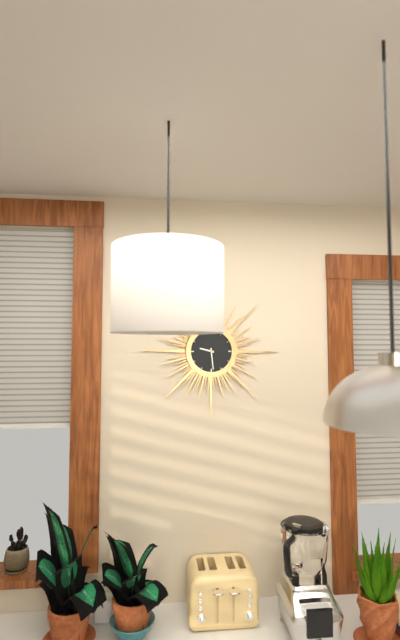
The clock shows h=9 m=29
